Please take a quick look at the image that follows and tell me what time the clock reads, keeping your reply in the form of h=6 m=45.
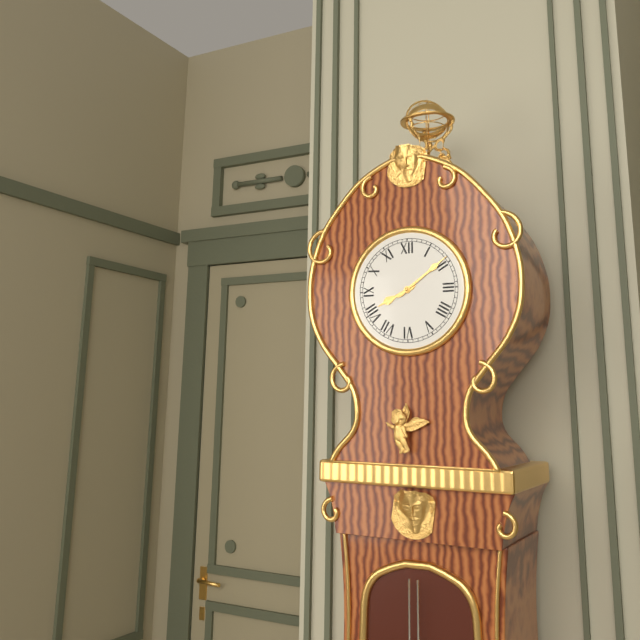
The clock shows h=8 m=9
